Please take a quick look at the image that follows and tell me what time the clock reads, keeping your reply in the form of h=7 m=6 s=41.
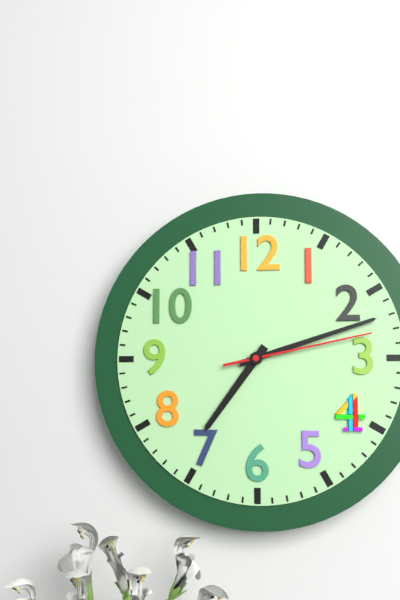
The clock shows h=7 m=12 s=13
